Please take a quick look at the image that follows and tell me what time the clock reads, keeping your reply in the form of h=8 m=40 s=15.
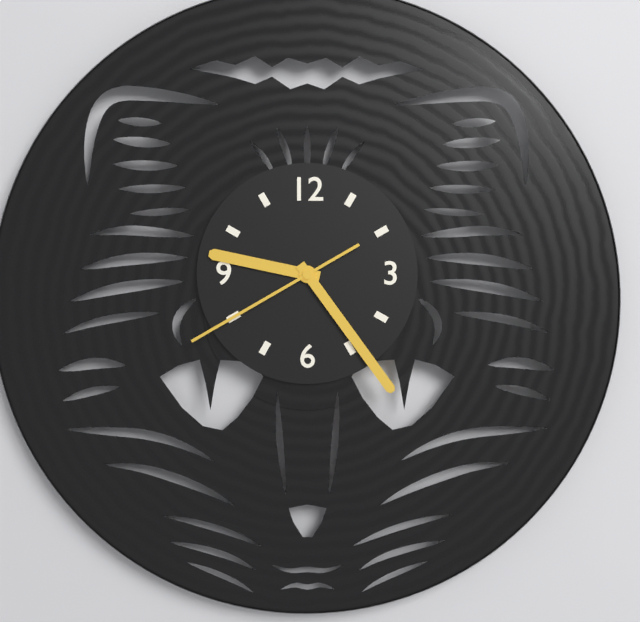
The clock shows h=9 m=24 s=40
